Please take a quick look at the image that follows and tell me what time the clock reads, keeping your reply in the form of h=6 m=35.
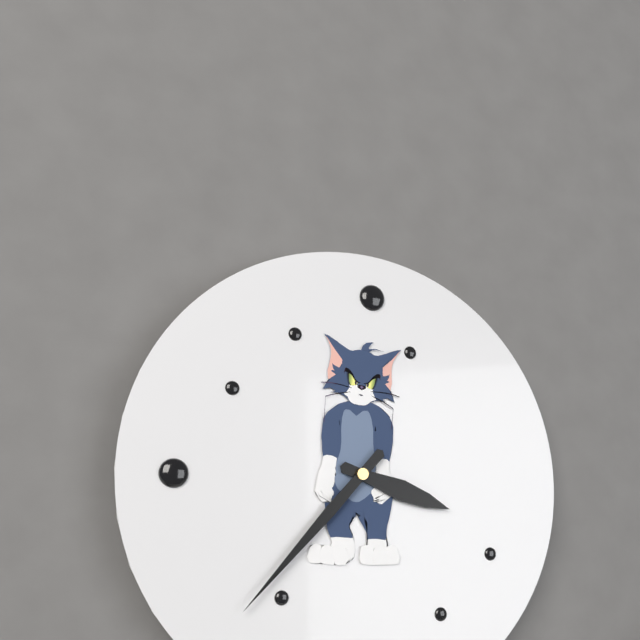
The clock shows h=3 m=37
